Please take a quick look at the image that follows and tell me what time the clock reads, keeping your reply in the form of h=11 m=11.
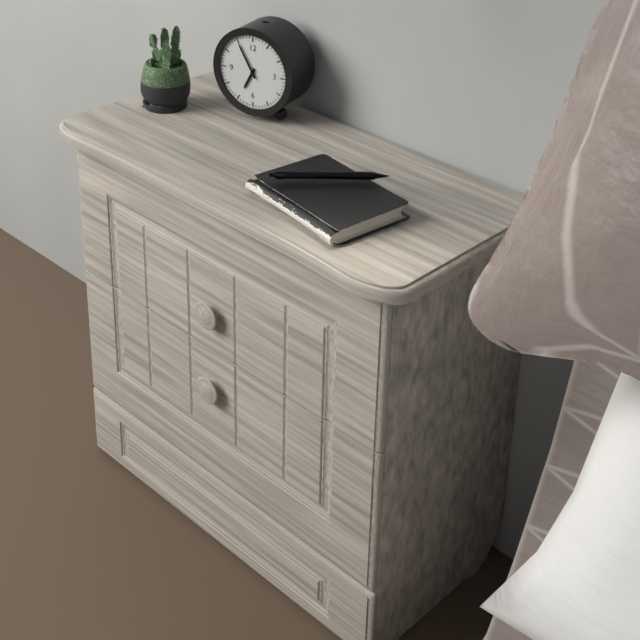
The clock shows h=6 m=55
